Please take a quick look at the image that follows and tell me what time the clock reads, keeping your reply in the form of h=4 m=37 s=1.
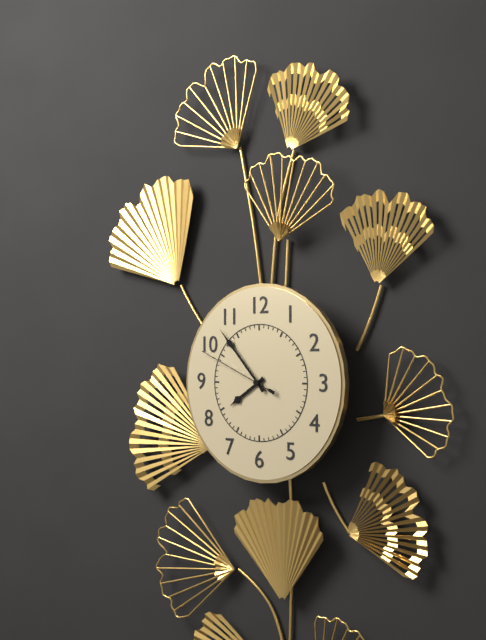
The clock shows h=7 m=53 s=49
